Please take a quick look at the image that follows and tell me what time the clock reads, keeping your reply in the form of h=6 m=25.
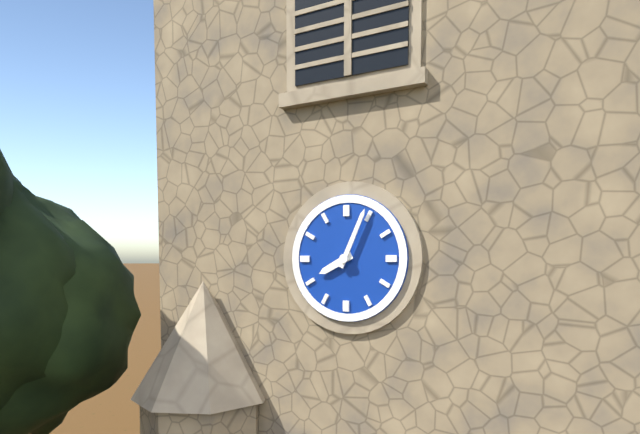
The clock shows h=8 m=4
